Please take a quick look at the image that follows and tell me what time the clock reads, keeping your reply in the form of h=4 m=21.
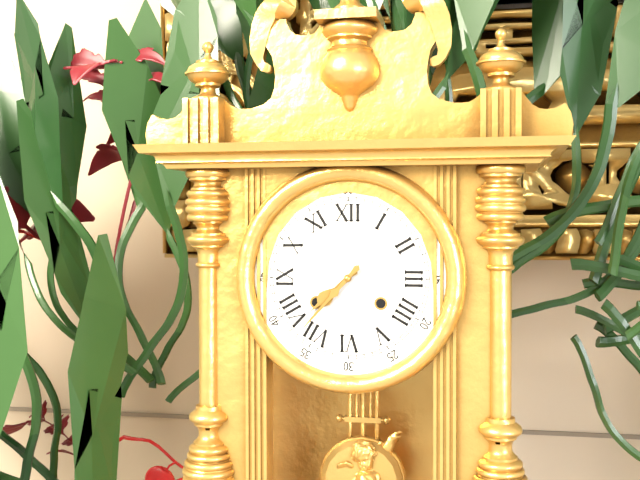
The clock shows h=7 m=37
